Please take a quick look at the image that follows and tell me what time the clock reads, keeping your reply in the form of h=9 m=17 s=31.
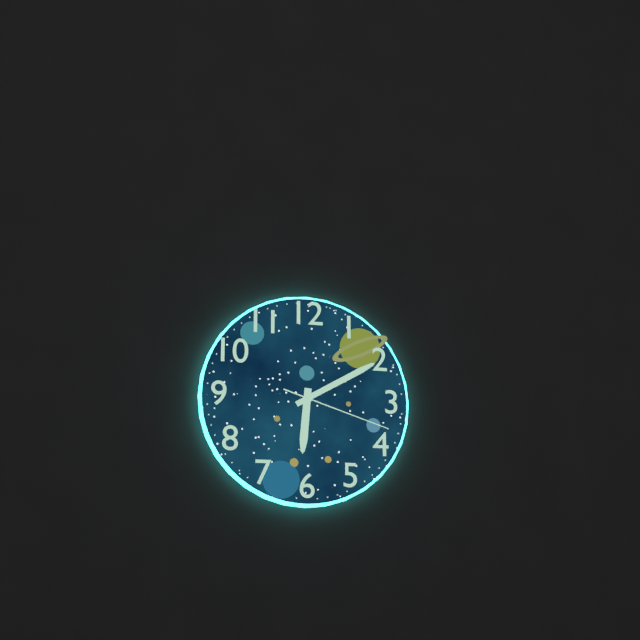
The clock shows h=6 m=10 s=18
